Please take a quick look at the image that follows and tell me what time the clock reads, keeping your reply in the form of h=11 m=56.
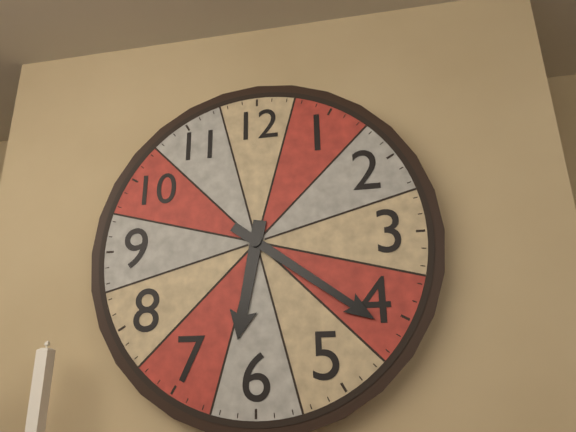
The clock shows h=6 m=21
